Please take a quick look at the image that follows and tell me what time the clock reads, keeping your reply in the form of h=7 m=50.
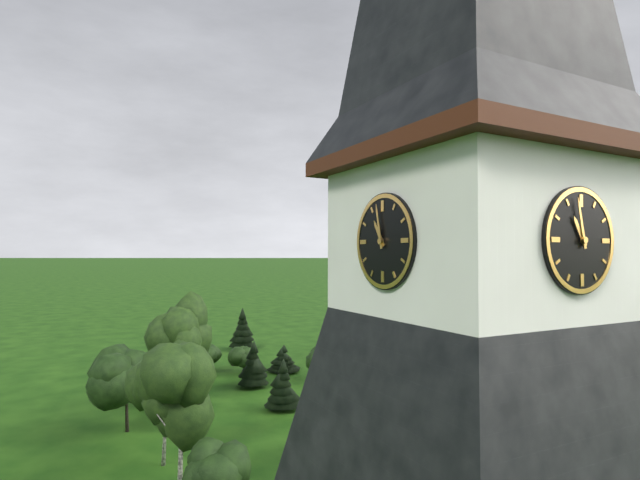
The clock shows h=10 m=58
